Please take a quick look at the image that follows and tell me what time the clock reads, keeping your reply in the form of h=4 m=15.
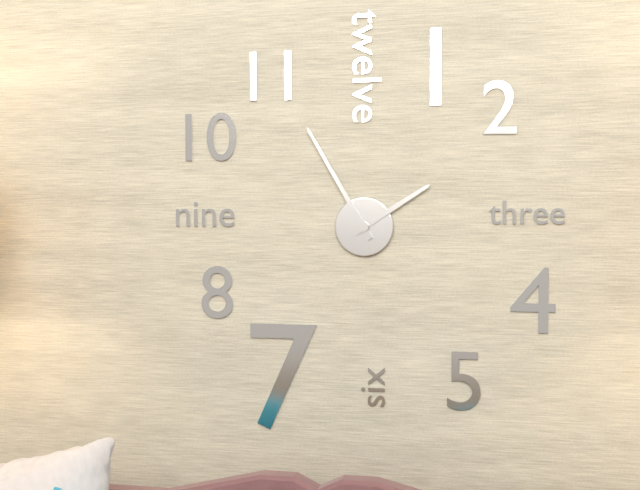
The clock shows h=1 m=55
